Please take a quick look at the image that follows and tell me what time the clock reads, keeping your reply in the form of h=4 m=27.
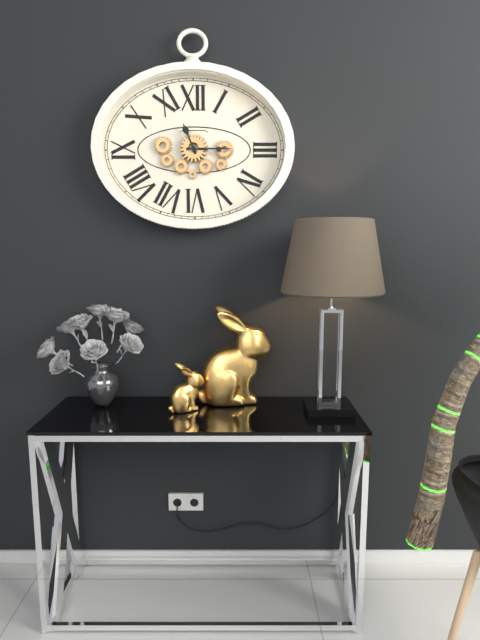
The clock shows h=11 m=15
